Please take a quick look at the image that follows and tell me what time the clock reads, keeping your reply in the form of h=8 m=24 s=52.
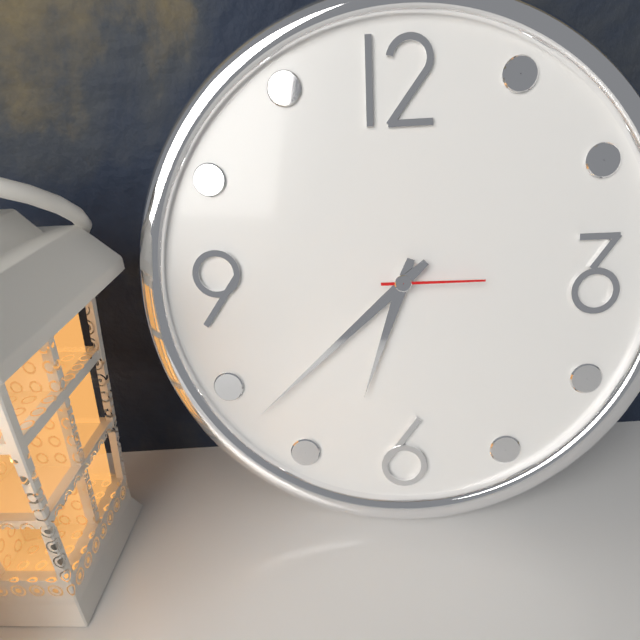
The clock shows h=6 m=38 s=15
